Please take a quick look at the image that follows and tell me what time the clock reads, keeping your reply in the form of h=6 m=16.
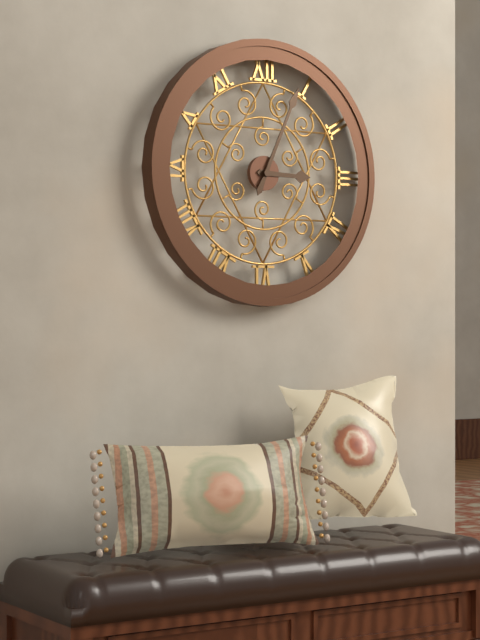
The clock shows h=3 m=4
